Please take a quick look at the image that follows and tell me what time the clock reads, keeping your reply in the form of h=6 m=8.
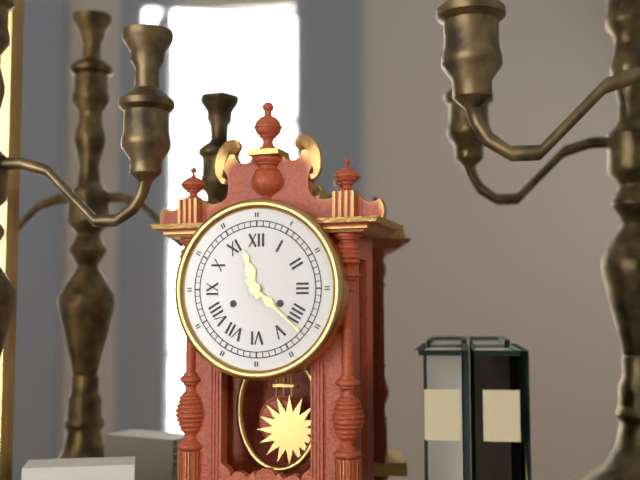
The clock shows h=11 m=22
